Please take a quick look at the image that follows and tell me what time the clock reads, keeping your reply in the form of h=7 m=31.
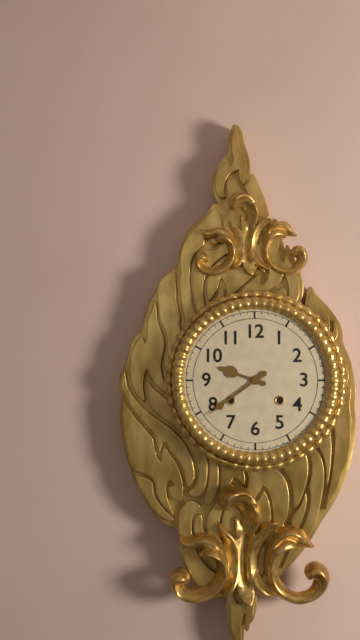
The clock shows h=9 m=39
